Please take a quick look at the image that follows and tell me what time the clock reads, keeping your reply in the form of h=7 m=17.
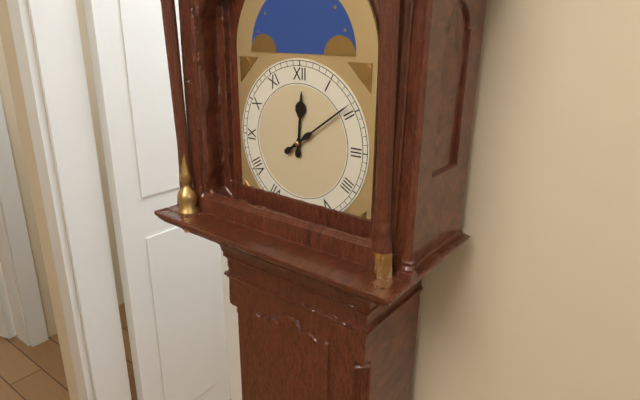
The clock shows h=12 m=9
